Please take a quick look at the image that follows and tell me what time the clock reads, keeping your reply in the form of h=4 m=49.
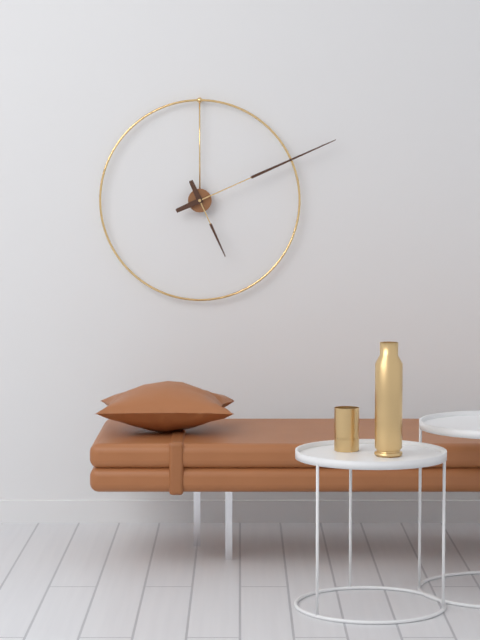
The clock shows h=5 m=11
